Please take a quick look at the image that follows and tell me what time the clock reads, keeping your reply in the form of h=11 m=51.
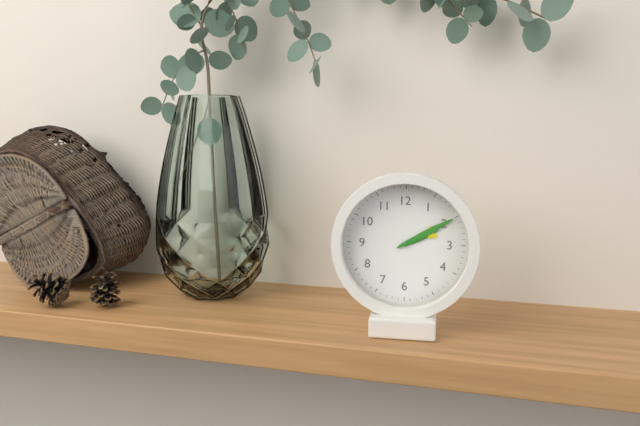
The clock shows h=2 m=10
